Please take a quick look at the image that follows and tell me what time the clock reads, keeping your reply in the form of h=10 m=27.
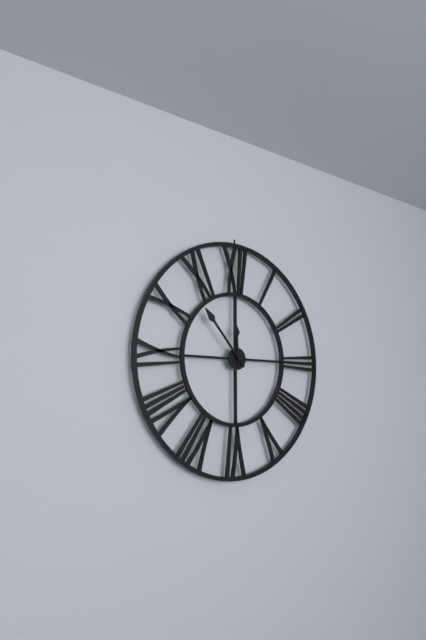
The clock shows h=11 m=53
